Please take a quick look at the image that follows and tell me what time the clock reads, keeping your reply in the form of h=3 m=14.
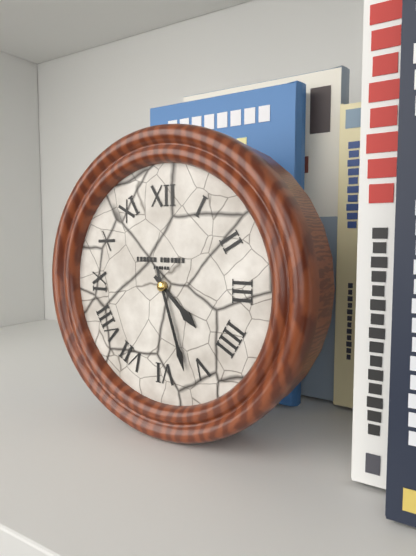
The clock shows h=4 m=27
